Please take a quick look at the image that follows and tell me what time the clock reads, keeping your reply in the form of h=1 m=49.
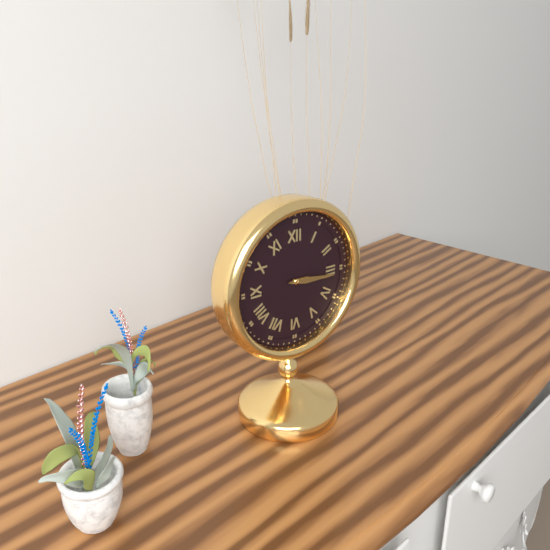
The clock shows h=3 m=16
